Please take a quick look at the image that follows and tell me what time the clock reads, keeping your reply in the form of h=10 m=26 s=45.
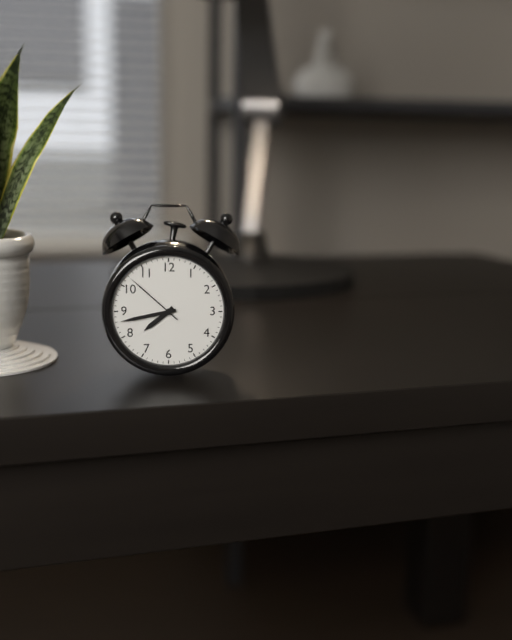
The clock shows h=7 m=43 s=52
